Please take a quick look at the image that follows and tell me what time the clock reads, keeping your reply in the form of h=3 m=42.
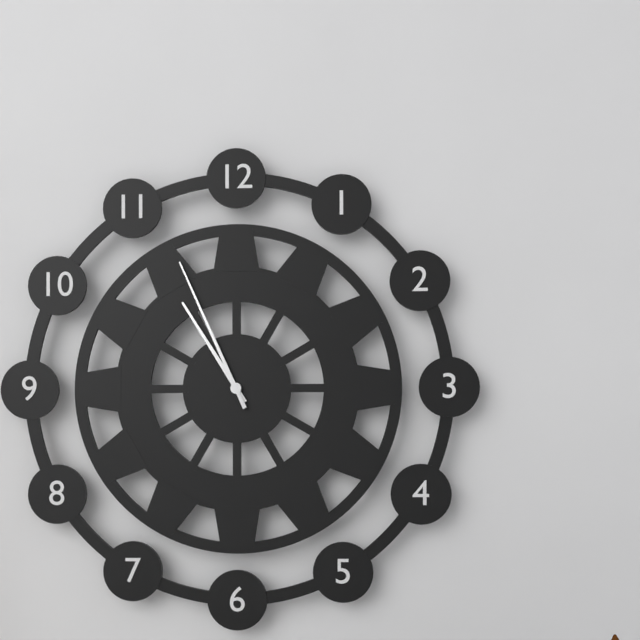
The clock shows h=10 m=56
